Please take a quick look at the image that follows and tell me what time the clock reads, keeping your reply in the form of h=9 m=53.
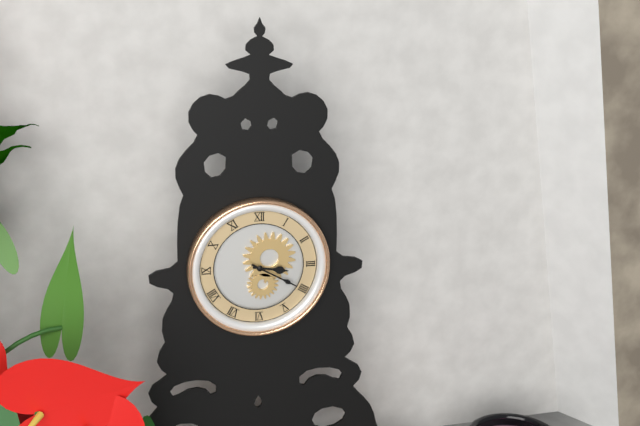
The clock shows h=3 m=20
